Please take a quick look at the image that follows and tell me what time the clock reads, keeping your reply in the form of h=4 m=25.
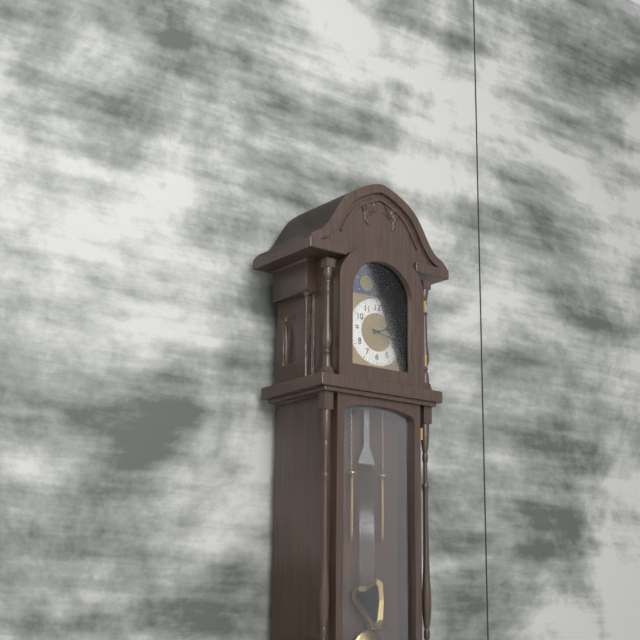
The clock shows h=2 m=17
